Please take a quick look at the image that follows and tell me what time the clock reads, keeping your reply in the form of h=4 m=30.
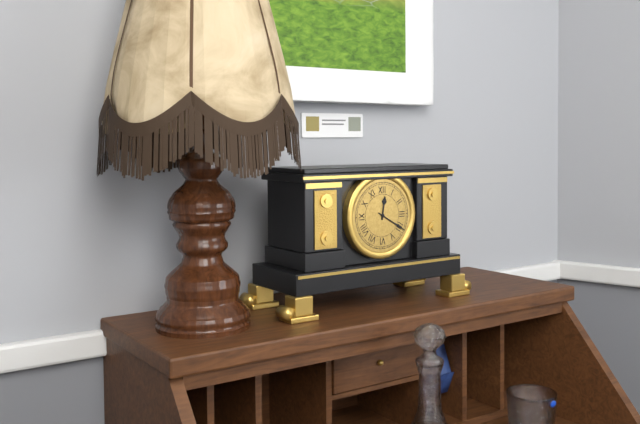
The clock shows h=12 m=20
